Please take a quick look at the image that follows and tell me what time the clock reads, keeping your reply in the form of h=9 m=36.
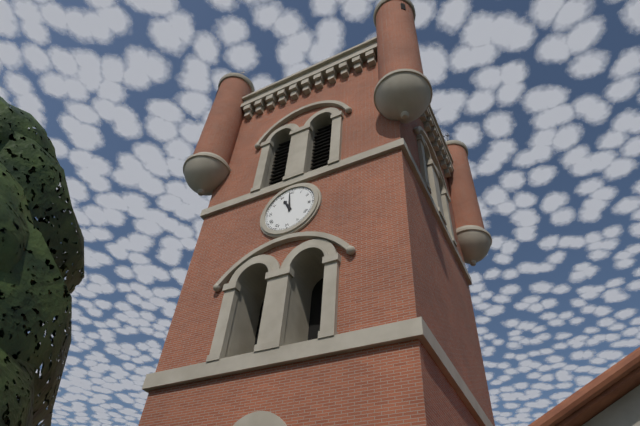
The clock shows h=10 m=59
